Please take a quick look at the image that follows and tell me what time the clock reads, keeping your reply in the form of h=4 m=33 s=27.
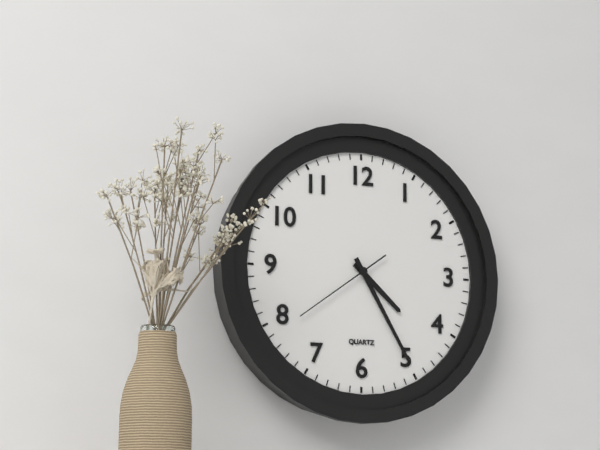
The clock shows h=4 m=25 s=39
